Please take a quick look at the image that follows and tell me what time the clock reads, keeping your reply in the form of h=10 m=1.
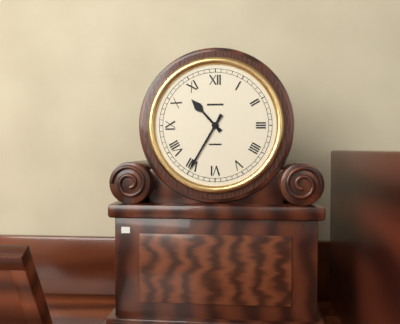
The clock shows h=10 m=35
